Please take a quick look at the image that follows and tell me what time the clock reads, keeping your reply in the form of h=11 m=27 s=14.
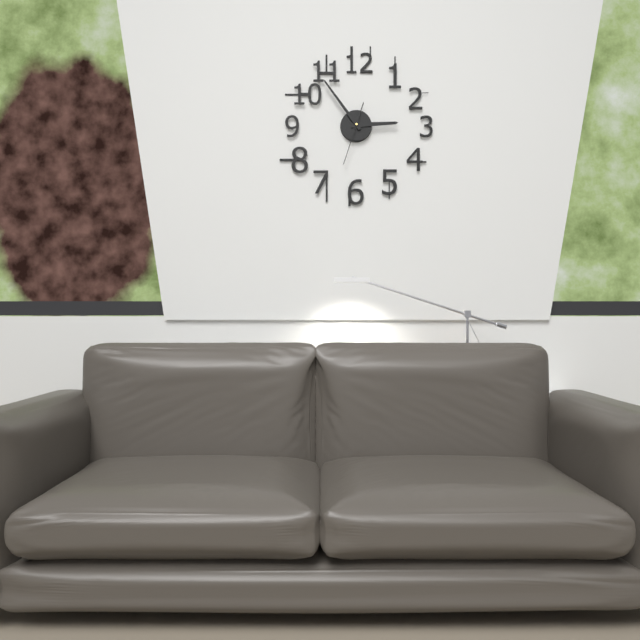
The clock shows h=2 m=54 s=33
